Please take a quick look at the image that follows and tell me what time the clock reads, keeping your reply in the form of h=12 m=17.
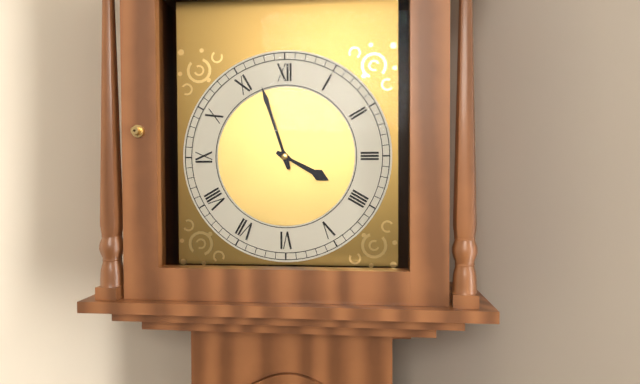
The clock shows h=3 m=57
